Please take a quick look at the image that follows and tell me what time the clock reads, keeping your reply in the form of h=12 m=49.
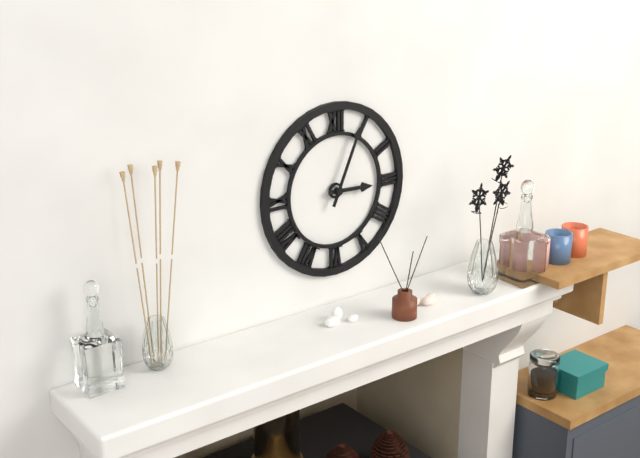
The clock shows h=3 m=4
